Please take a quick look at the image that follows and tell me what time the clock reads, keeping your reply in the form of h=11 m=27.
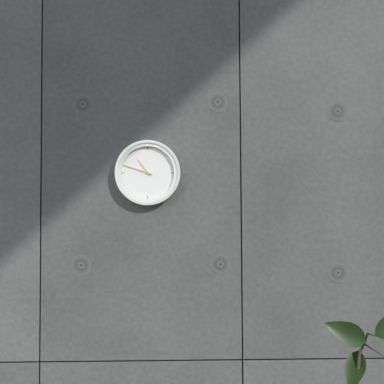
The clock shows h=10 m=48
